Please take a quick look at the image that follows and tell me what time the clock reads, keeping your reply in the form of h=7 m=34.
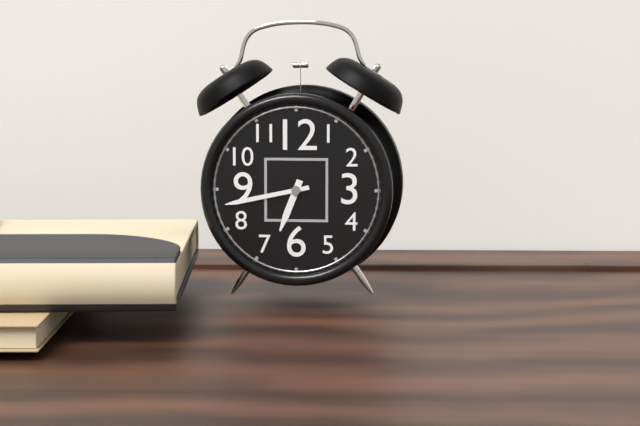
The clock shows h=6 m=43
